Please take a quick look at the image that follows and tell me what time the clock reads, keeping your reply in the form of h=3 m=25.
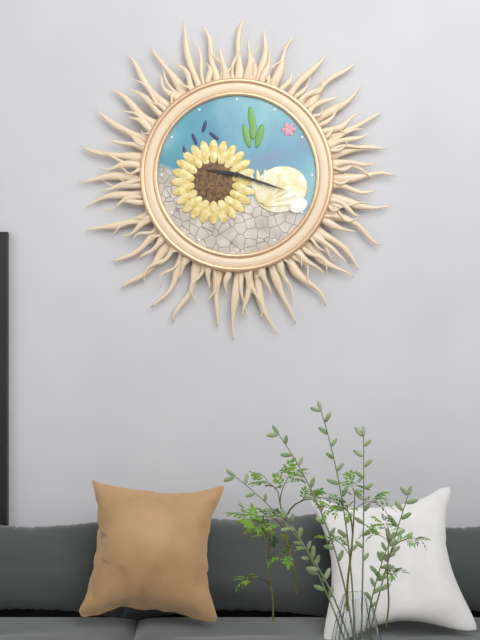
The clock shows h=9 m=18
